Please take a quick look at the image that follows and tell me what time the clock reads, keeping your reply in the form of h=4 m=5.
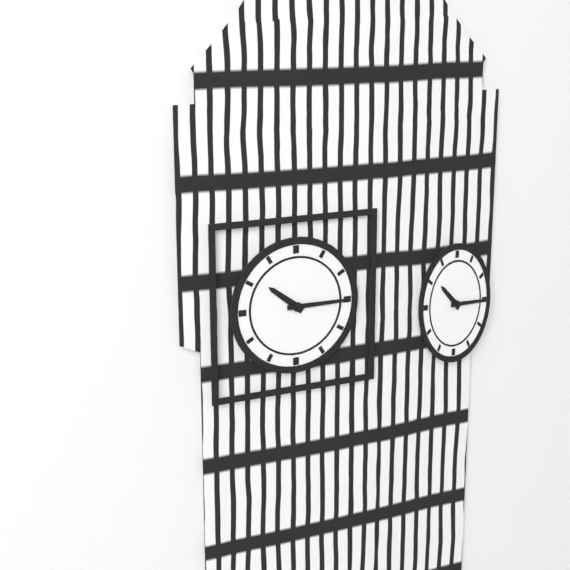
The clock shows h=10 m=15
